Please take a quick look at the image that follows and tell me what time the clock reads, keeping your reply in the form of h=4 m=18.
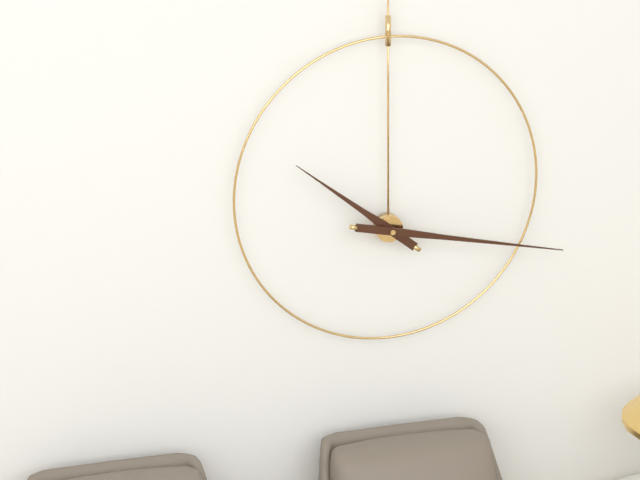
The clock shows h=10 m=17
